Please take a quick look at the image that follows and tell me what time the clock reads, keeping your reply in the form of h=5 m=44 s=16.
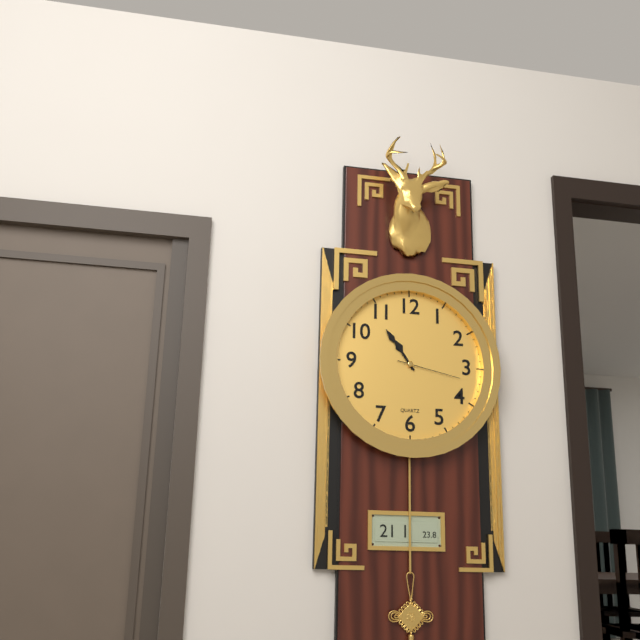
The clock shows h=10 m=54 s=17
